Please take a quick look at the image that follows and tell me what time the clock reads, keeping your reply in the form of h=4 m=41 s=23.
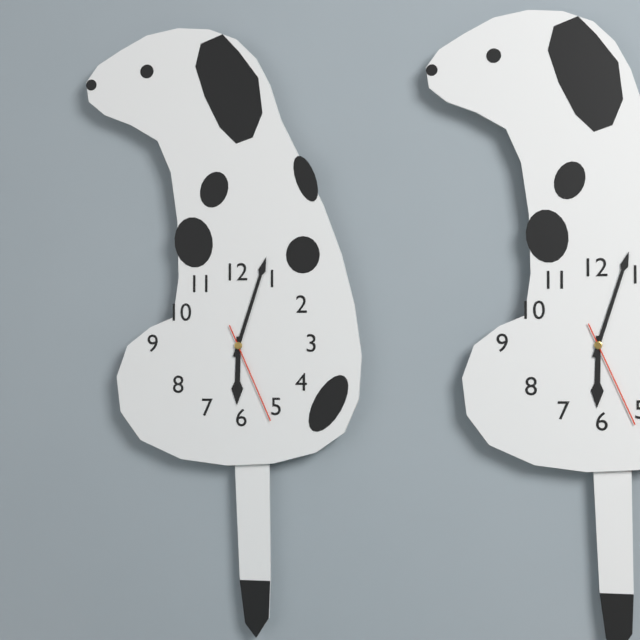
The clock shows h=6 m=3 s=26
